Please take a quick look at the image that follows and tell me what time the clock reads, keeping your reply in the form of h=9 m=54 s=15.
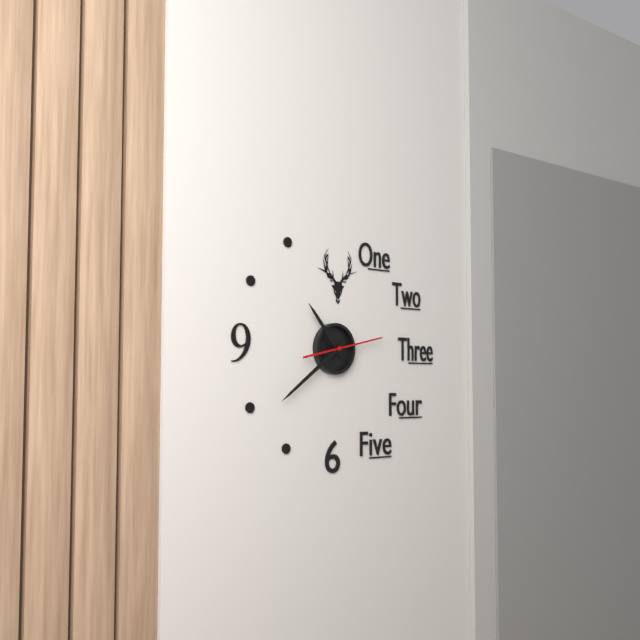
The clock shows h=10 m=39 s=13
